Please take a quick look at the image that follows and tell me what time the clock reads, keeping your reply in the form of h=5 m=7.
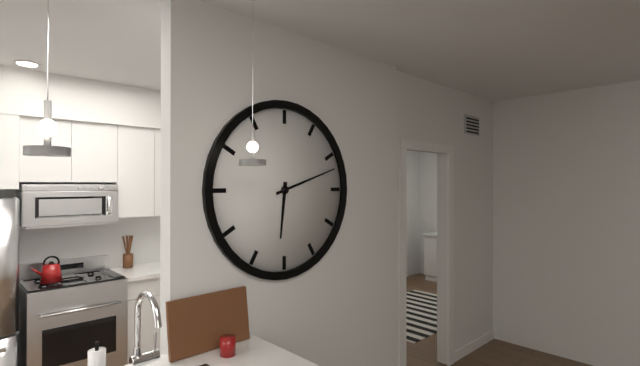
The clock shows h=6 m=12
